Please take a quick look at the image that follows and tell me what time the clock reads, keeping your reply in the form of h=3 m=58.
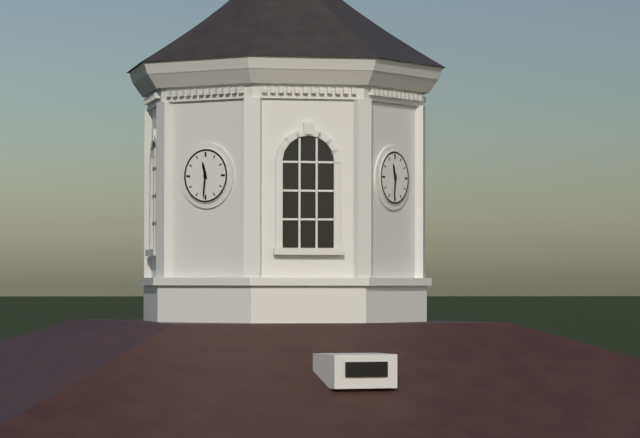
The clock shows h=11 m=31
